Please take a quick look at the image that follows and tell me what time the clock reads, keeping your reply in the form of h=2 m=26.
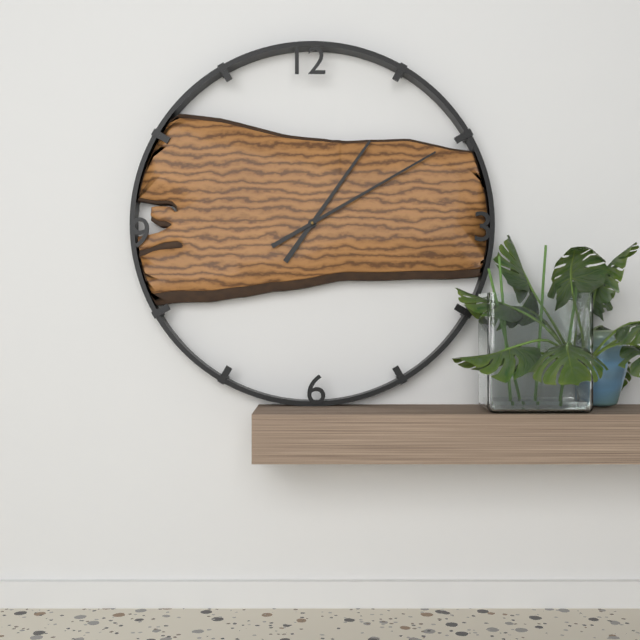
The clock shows h=1 m=10
